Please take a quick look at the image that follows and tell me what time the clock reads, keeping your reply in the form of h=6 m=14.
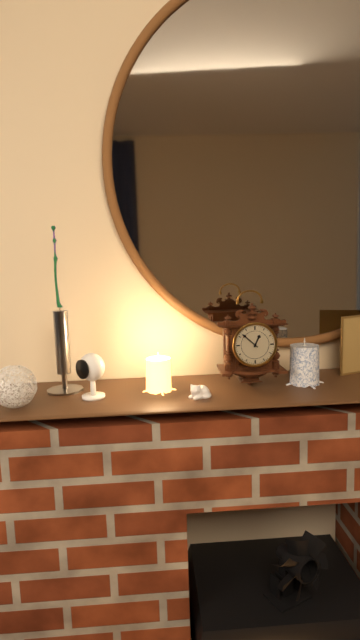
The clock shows h=12 m=52
